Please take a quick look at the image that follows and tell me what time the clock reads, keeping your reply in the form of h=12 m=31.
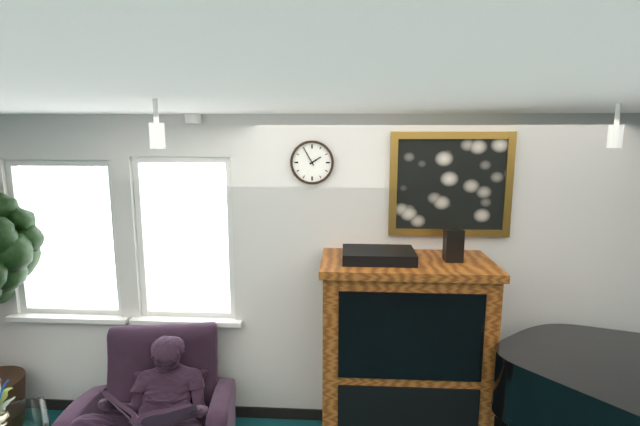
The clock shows h=1 m=55
